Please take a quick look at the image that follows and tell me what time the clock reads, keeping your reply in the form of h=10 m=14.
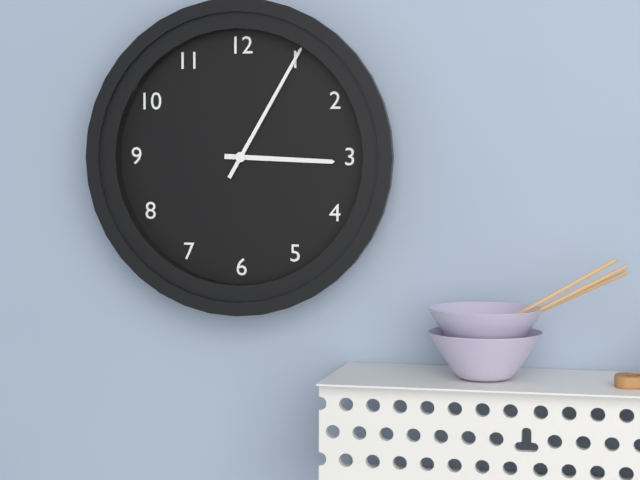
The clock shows h=3 m=5
